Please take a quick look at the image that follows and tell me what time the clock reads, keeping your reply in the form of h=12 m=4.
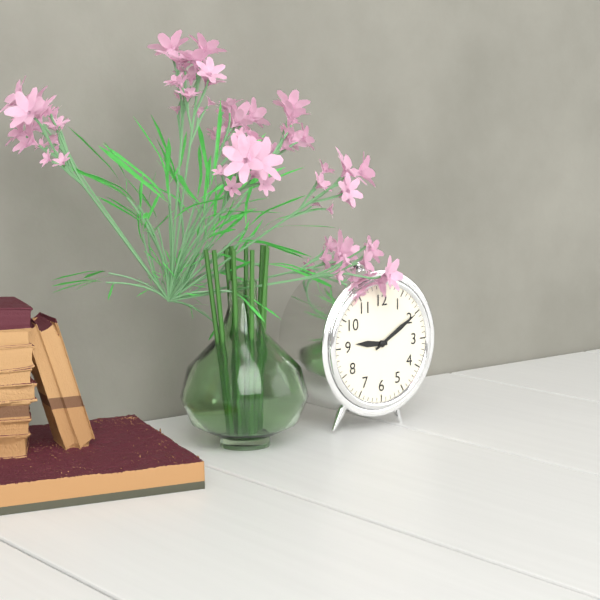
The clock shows h=9 m=10
